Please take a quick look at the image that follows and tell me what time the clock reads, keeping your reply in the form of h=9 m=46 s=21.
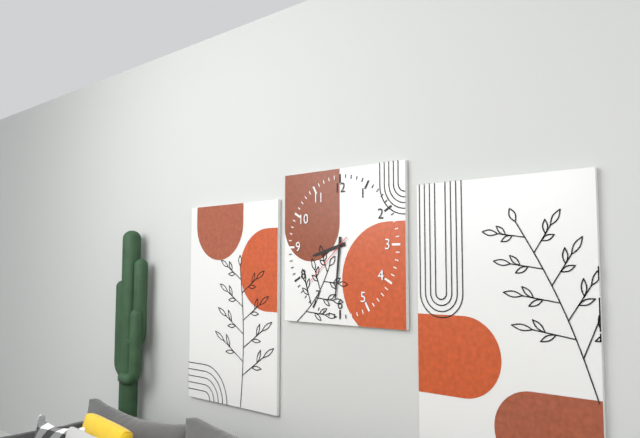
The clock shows h=8 m=31 s=38
